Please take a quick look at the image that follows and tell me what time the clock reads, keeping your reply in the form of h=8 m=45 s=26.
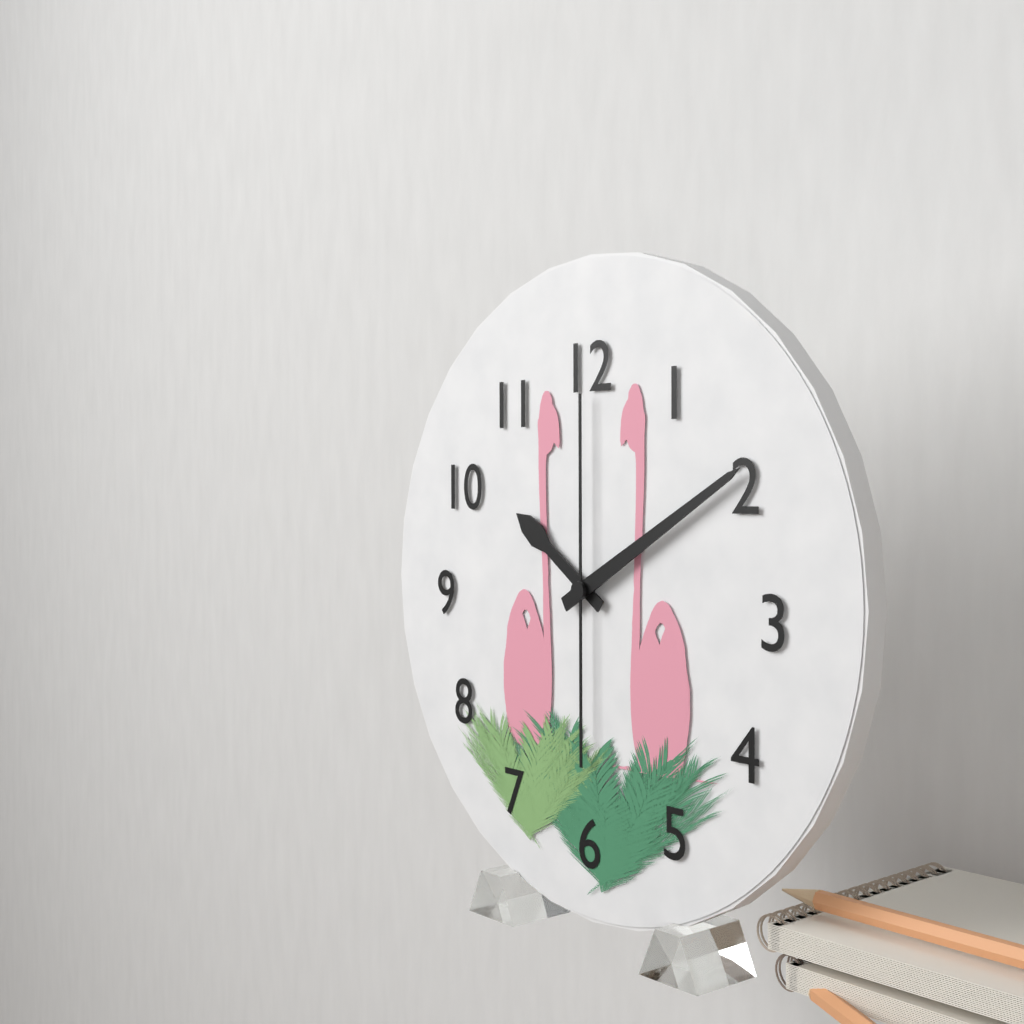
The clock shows h=10 m=10 s=0
